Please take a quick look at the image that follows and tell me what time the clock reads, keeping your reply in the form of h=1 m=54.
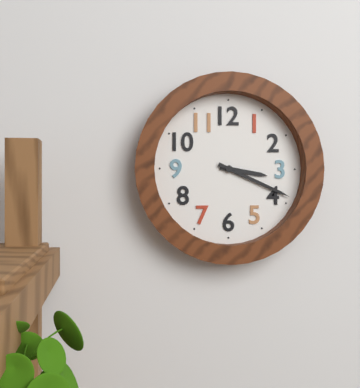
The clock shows h=3 m=19
